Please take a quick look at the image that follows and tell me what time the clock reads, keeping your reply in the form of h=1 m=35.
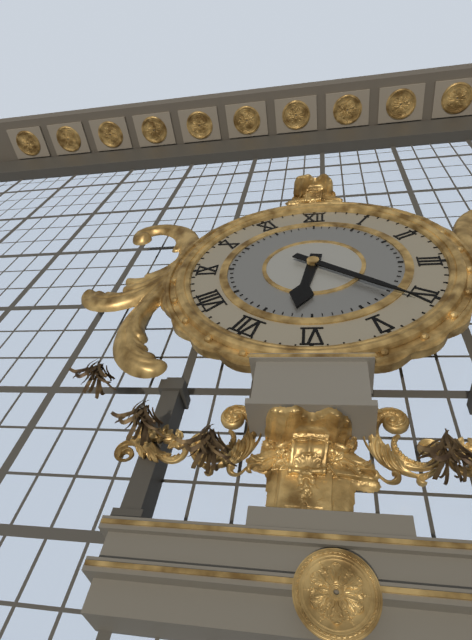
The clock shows h=6 m=21
